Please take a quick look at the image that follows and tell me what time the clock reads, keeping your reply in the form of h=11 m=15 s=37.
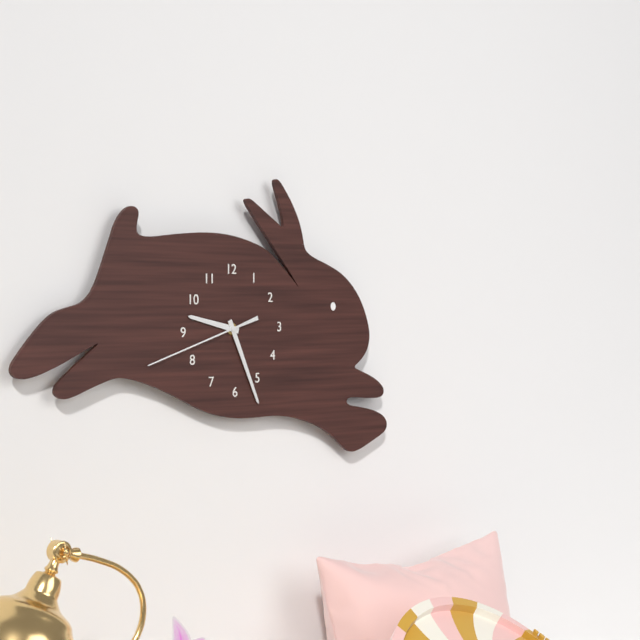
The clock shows h=9 m=26 s=42
